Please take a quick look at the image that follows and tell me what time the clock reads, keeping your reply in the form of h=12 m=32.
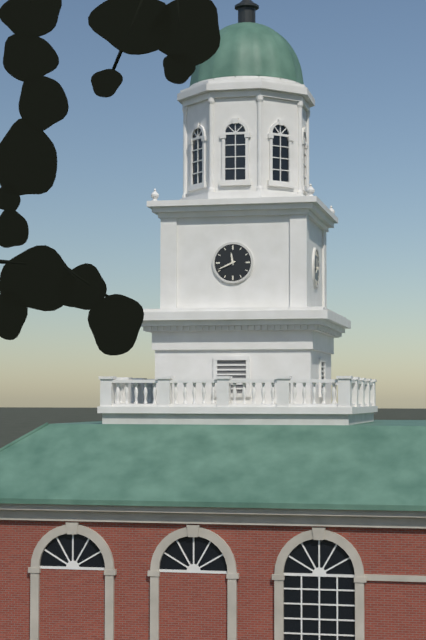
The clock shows h=11 m=41
